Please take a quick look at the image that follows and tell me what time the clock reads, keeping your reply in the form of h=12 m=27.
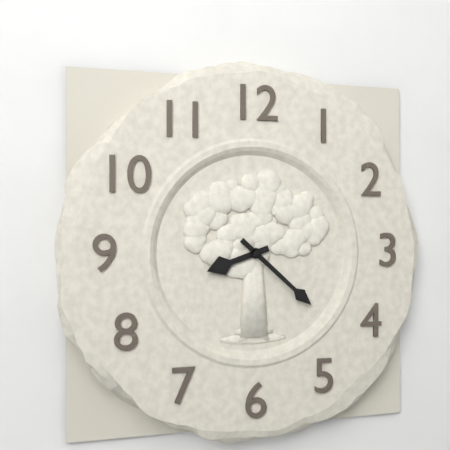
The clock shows h=8 m=22
